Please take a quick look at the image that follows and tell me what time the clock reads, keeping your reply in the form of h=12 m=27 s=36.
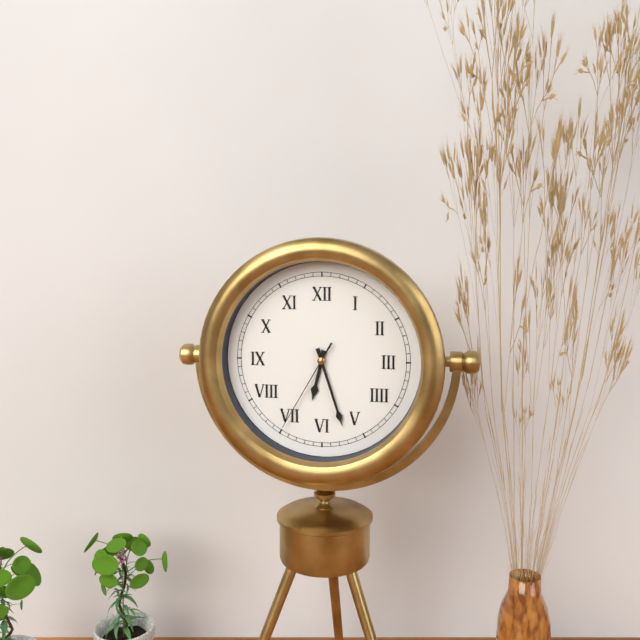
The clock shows h=6 m=27 s=35
